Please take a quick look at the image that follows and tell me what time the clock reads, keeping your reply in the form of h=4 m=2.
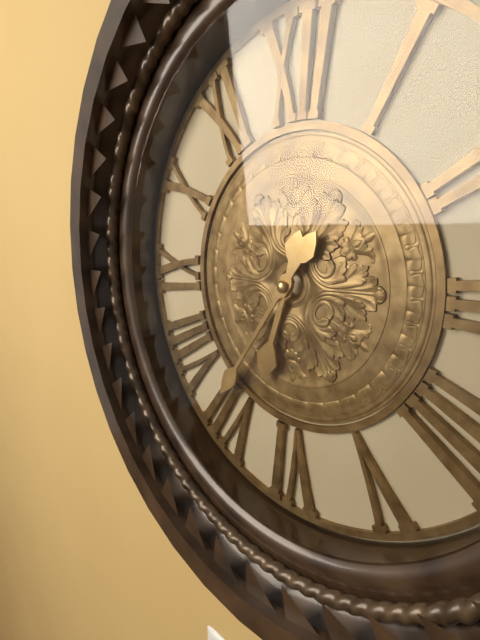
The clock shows h=6 m=36
